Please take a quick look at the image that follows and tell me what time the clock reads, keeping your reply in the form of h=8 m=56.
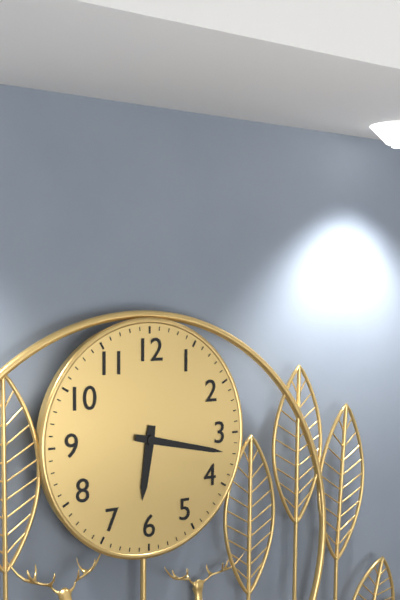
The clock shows h=6 m=17
